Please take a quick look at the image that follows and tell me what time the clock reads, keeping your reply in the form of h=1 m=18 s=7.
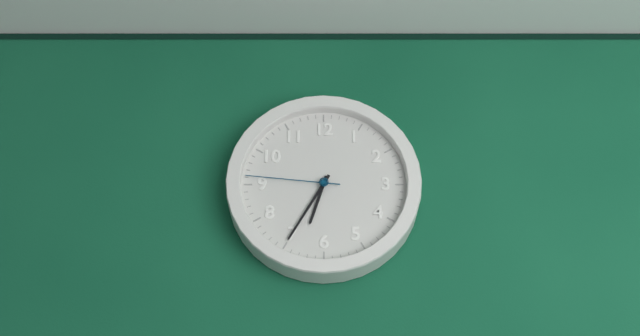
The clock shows h=6 m=35 s=46
